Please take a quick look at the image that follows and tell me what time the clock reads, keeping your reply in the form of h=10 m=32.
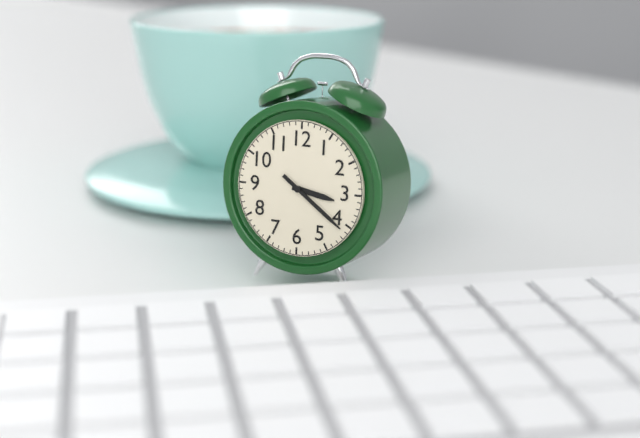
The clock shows h=3 m=21
